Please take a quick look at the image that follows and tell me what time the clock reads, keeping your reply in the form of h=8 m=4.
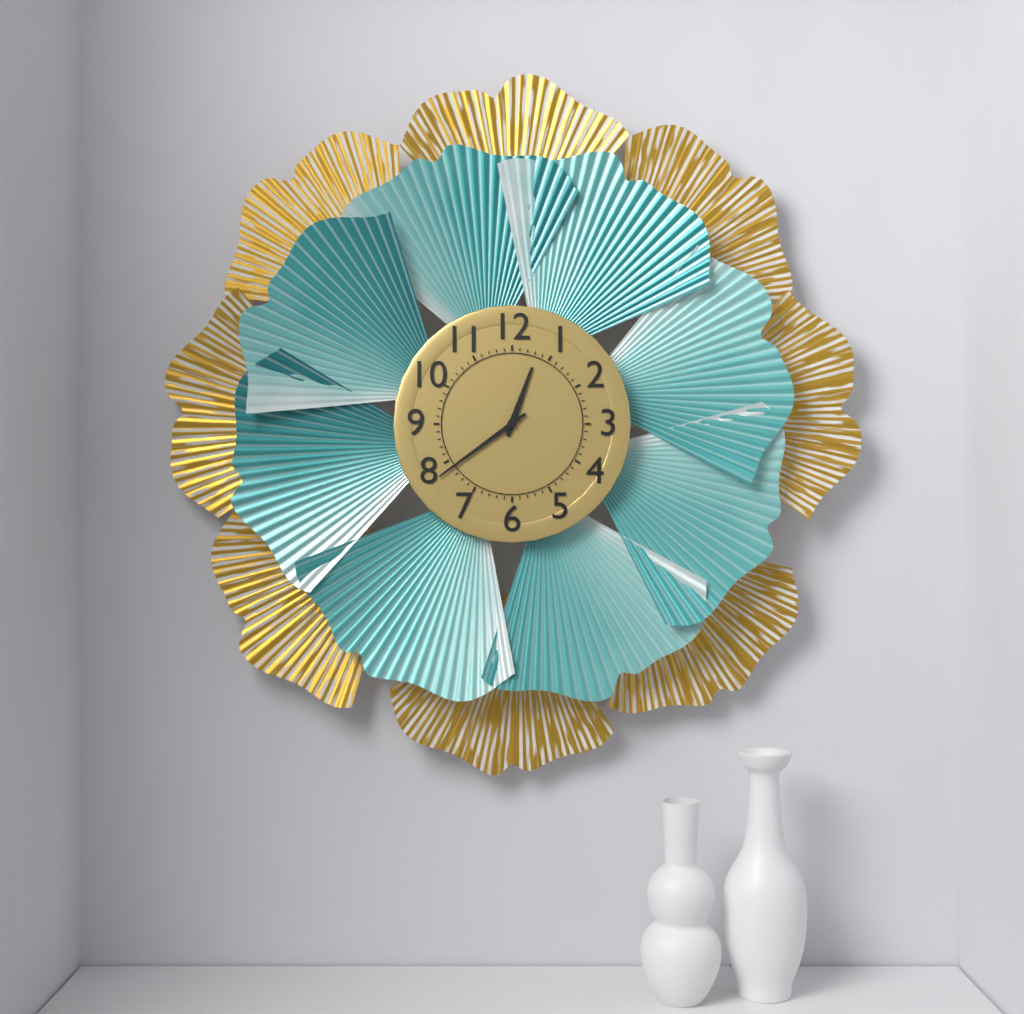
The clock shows h=12 m=39
